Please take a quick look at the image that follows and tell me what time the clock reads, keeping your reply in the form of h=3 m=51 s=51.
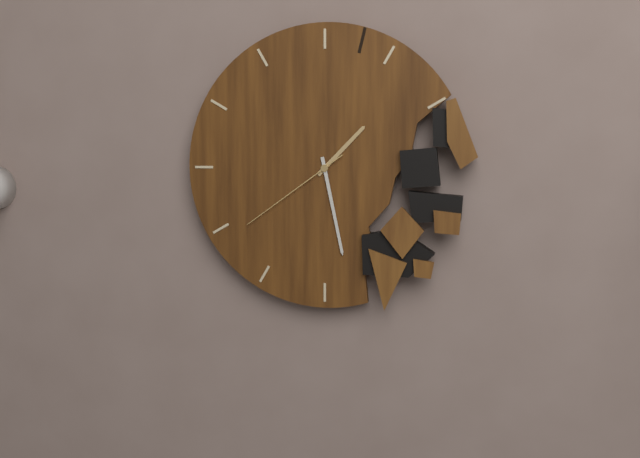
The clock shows h=1 m=28 s=39
